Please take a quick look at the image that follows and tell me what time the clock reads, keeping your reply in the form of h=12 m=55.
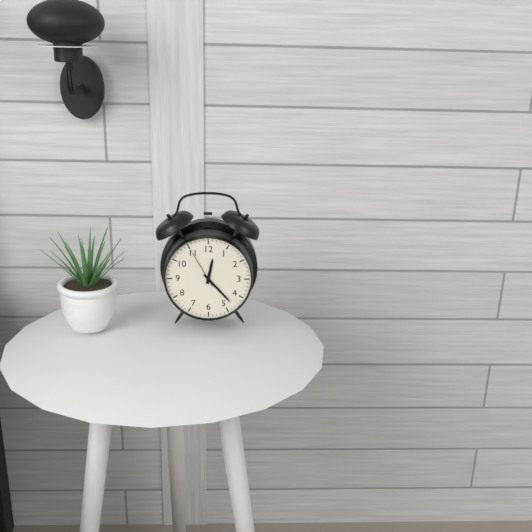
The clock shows h=12 m=23
